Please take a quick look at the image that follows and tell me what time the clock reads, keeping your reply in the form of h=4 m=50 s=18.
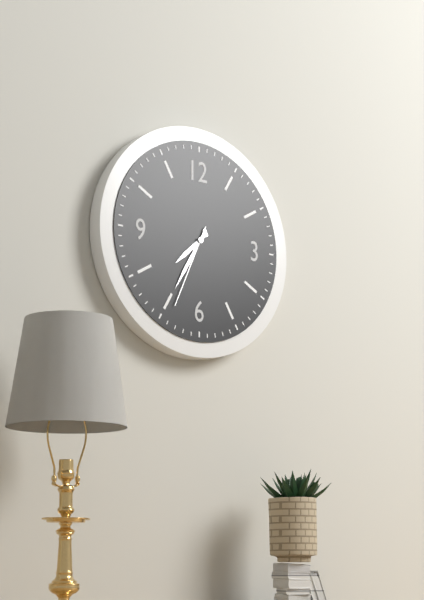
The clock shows h=7 m=35 s=34
